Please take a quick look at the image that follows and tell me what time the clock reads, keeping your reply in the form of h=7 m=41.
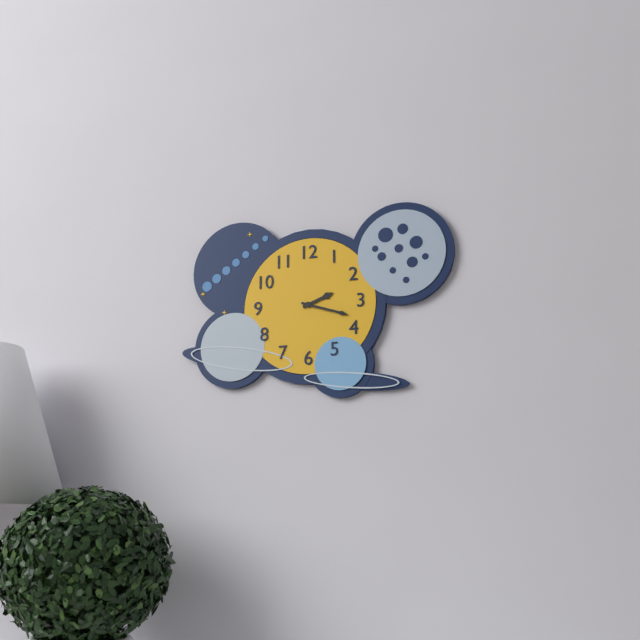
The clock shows h=2 m=18
